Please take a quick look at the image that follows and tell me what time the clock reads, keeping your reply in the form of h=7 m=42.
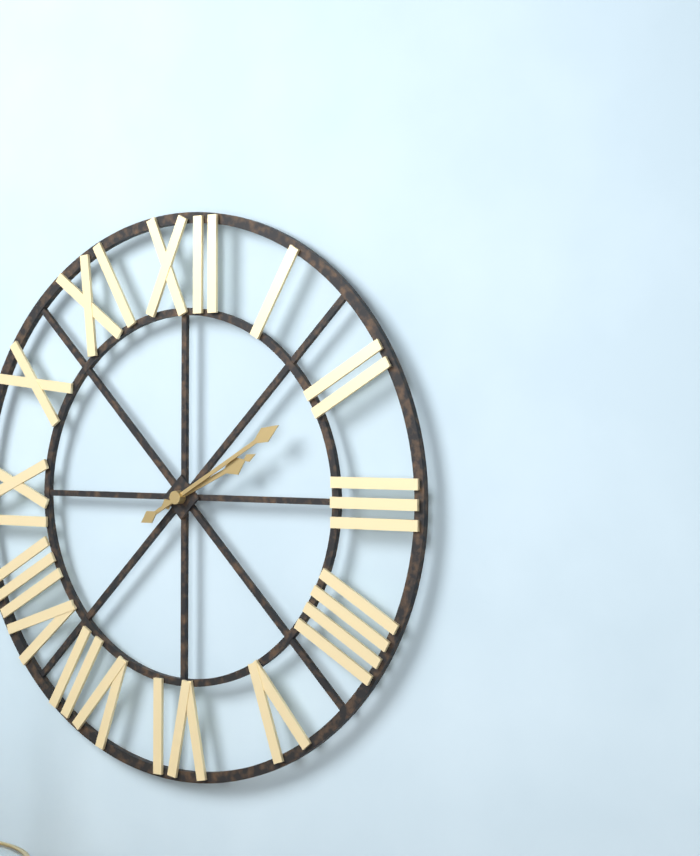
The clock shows h=2 m=10
